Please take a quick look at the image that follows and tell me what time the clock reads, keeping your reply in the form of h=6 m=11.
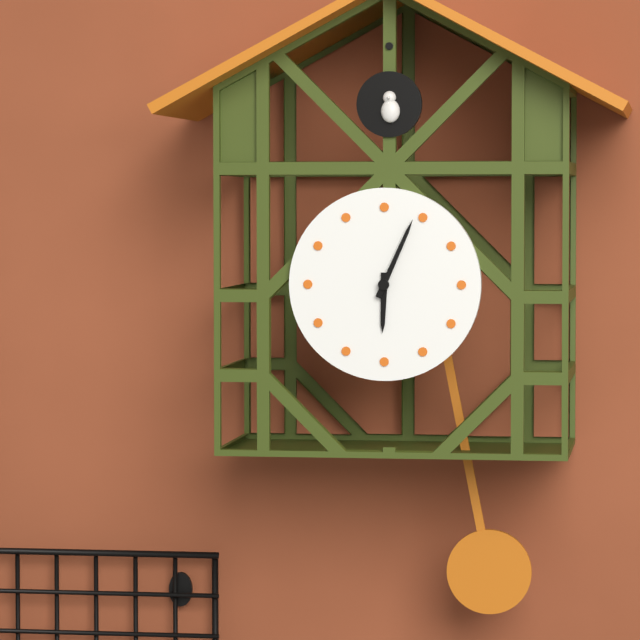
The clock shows h=6 m=4
